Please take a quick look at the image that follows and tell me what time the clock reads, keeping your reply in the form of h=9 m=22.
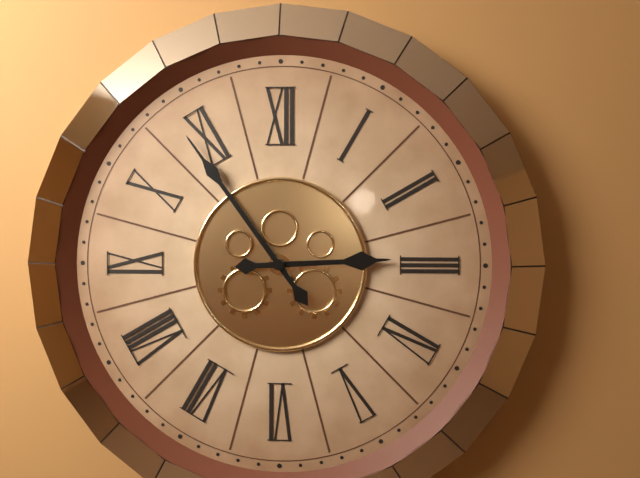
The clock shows h=2 m=54
